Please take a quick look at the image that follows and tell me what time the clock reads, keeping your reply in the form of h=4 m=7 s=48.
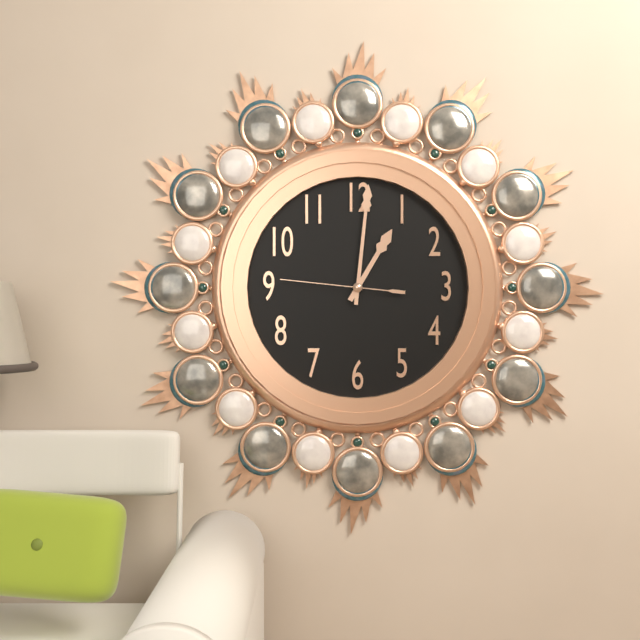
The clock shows h=1 m=1 s=46
